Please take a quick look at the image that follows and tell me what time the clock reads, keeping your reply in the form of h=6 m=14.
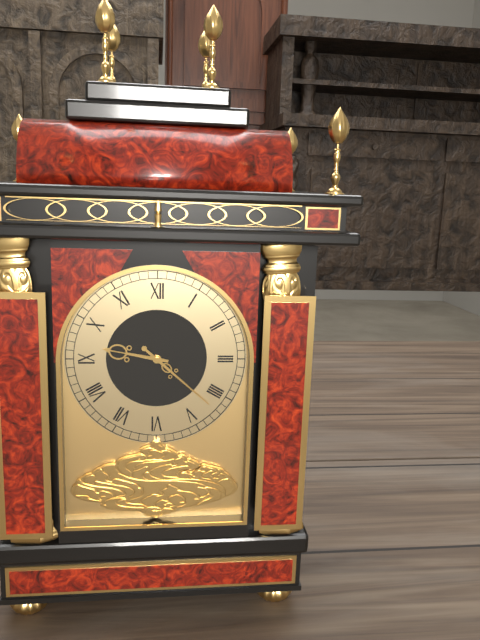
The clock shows h=9 m=22
